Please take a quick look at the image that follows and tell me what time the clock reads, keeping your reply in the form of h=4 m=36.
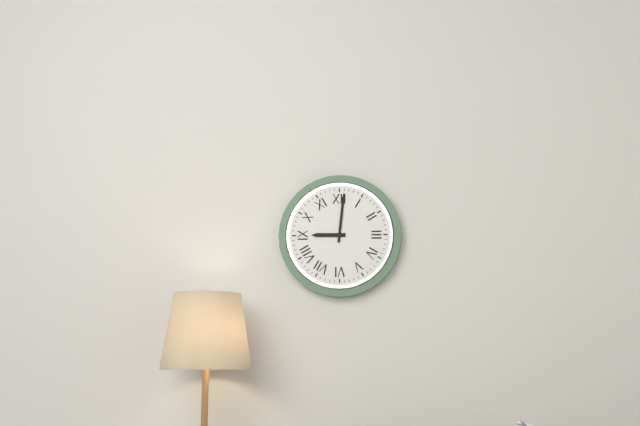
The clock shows h=9 m=1
